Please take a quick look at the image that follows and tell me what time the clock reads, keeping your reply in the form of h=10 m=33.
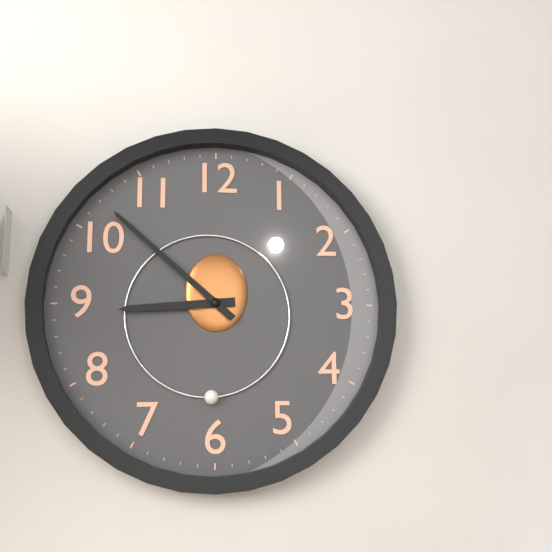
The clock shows h=8 m=52
